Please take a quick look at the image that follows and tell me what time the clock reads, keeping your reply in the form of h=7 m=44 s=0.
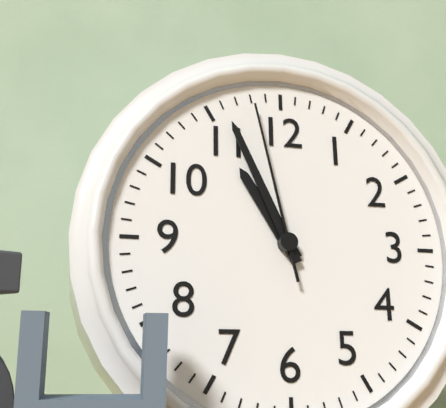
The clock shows h=10 m=56 s=58
